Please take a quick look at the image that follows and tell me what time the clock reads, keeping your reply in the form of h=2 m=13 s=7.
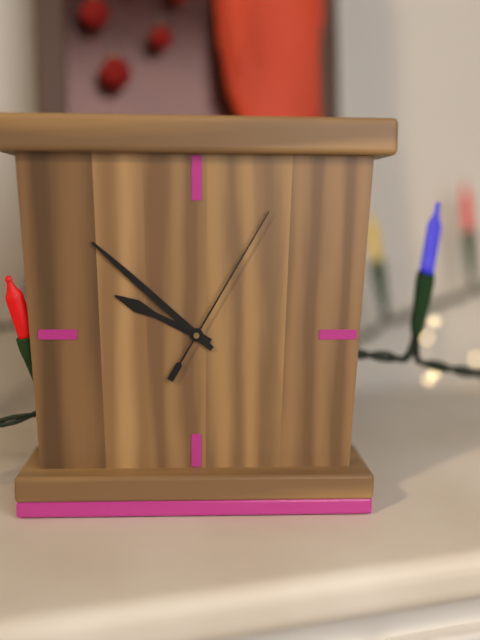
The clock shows h=9 m=52 s=5
